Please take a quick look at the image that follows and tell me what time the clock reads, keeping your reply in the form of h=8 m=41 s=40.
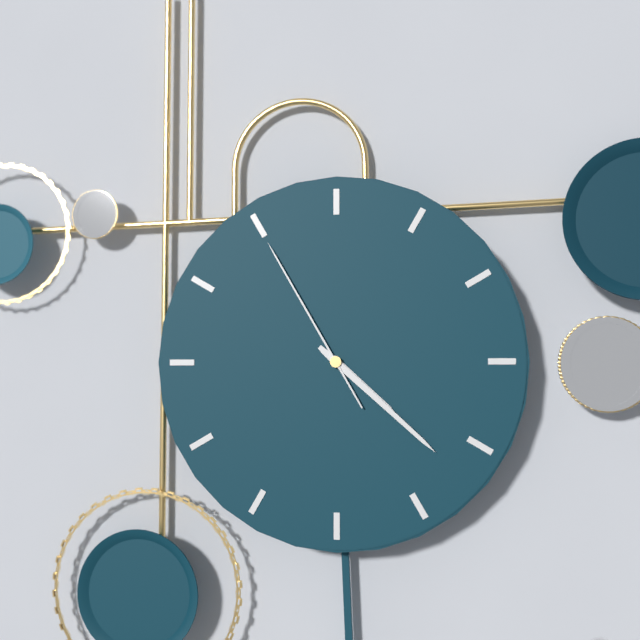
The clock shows h=4 m=22 s=55
